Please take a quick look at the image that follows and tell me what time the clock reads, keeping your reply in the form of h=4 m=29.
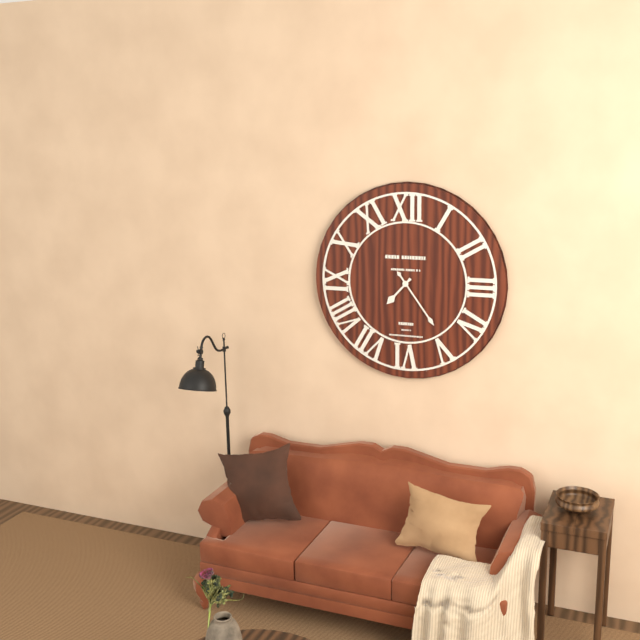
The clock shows h=7 m=24
